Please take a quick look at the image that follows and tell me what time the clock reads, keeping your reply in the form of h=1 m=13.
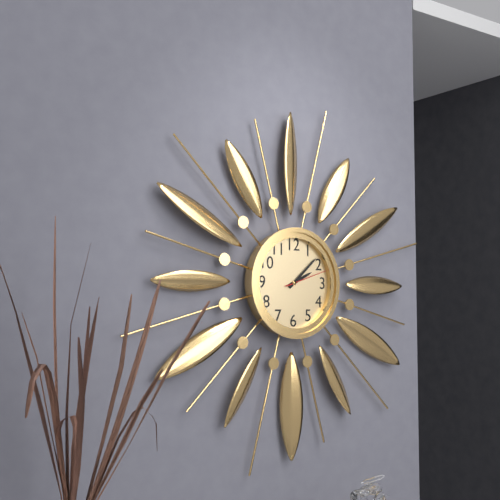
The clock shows h=2 m=8
